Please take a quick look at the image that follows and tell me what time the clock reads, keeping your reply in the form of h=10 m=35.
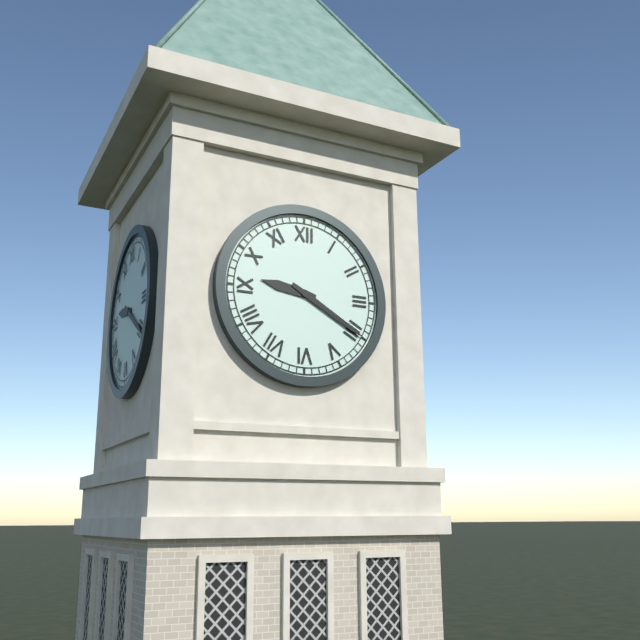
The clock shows h=9 m=20
